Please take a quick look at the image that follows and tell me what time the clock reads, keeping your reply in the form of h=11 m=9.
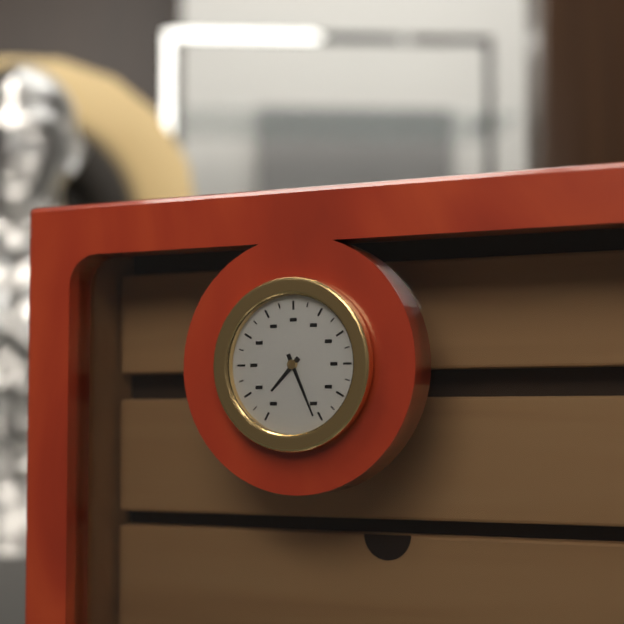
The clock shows h=7 m=26
